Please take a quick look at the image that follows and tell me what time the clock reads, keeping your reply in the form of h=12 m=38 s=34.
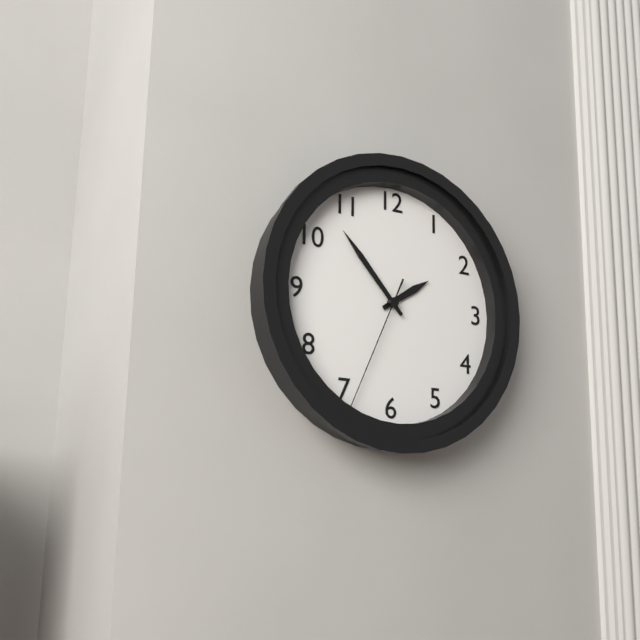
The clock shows h=1 m=53 s=34
